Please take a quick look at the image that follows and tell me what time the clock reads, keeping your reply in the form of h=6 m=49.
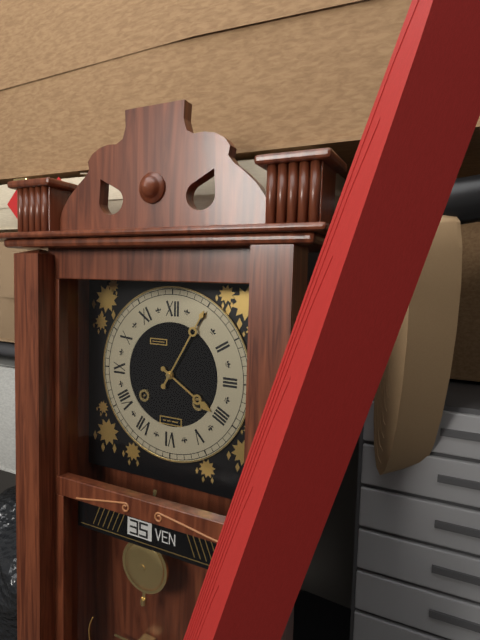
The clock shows h=4 m=5
